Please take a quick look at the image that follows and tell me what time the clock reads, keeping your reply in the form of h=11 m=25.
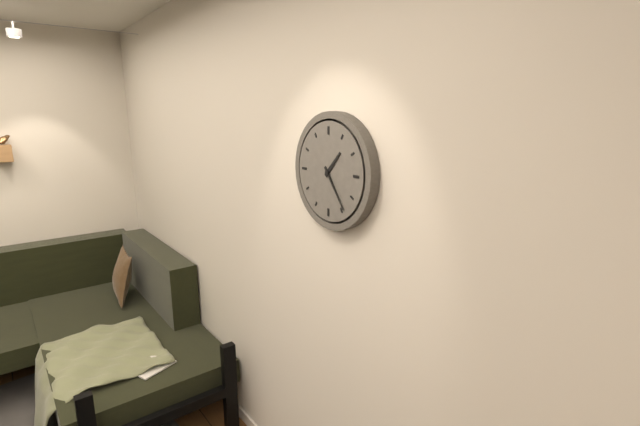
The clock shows h=1 m=24
